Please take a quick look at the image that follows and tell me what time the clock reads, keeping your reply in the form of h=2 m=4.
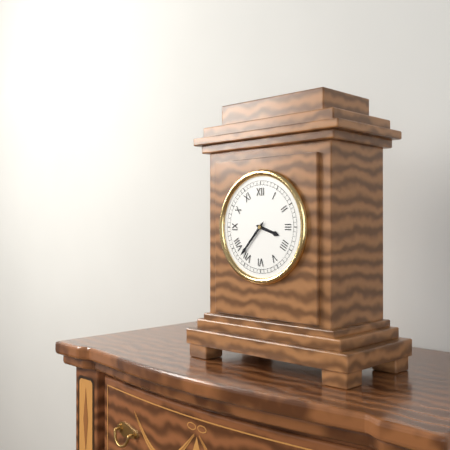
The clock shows h=3 m=37
